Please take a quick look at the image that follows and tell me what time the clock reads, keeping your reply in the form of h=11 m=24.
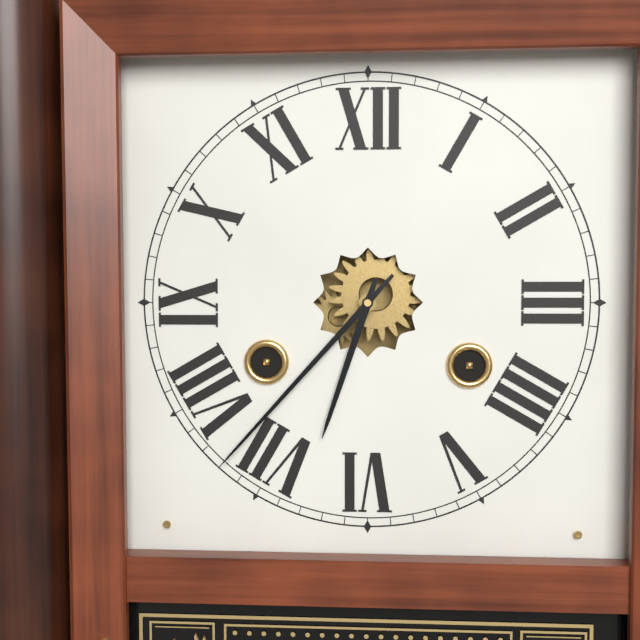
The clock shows h=6 m=37
